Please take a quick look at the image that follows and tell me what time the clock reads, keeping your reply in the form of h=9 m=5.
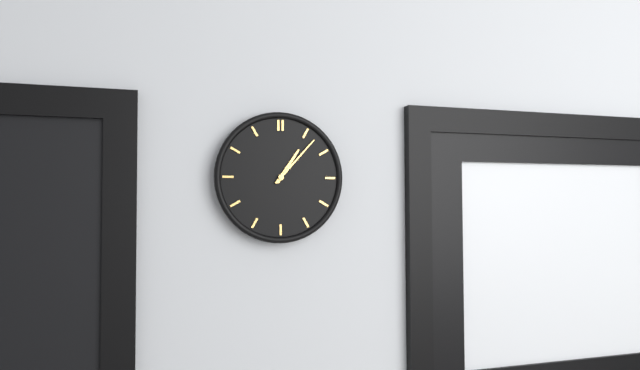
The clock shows h=1 m=7
